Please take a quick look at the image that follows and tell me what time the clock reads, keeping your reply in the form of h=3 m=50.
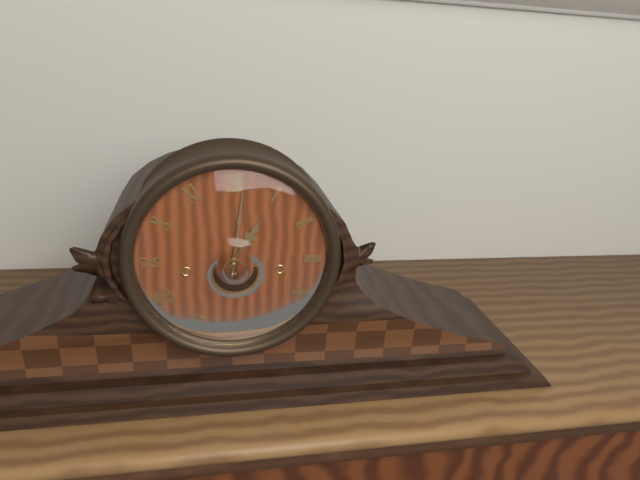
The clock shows h=1 m=1
